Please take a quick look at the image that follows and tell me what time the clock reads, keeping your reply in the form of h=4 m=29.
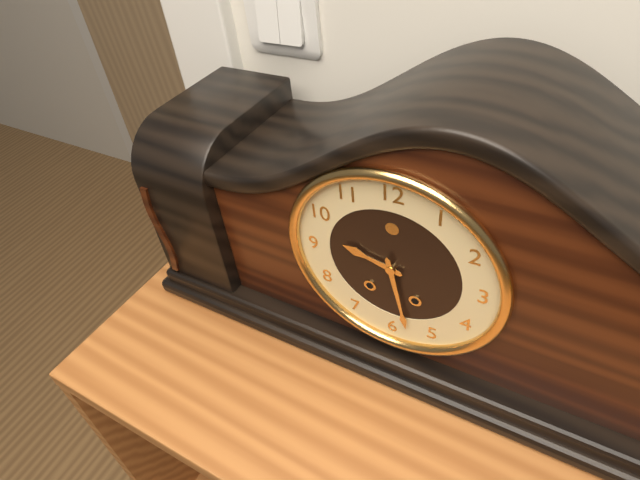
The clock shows h=9 m=28
